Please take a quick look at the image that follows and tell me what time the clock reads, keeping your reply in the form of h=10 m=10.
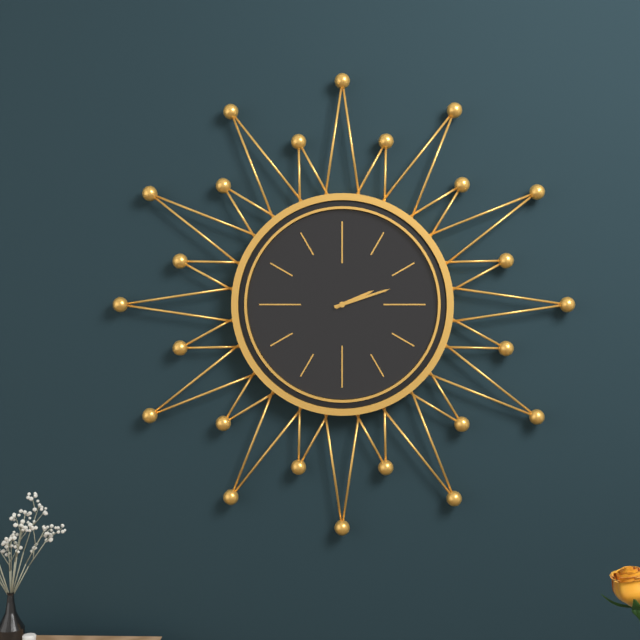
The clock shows h=2 m=12
